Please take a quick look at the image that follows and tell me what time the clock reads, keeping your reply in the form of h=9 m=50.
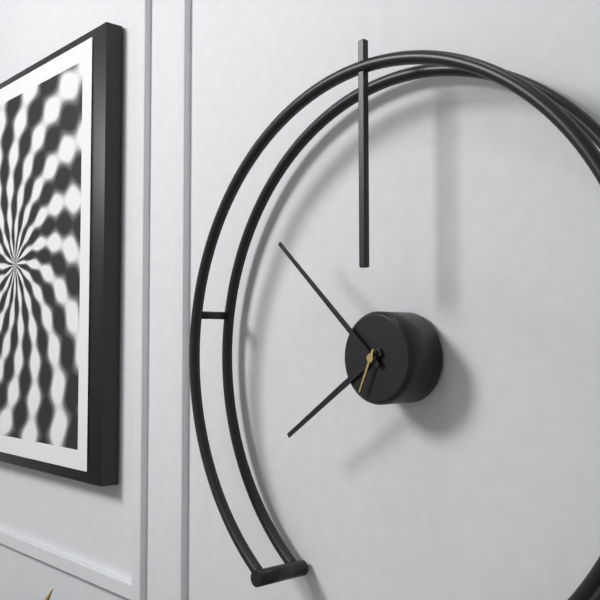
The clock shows h=7 m=52
